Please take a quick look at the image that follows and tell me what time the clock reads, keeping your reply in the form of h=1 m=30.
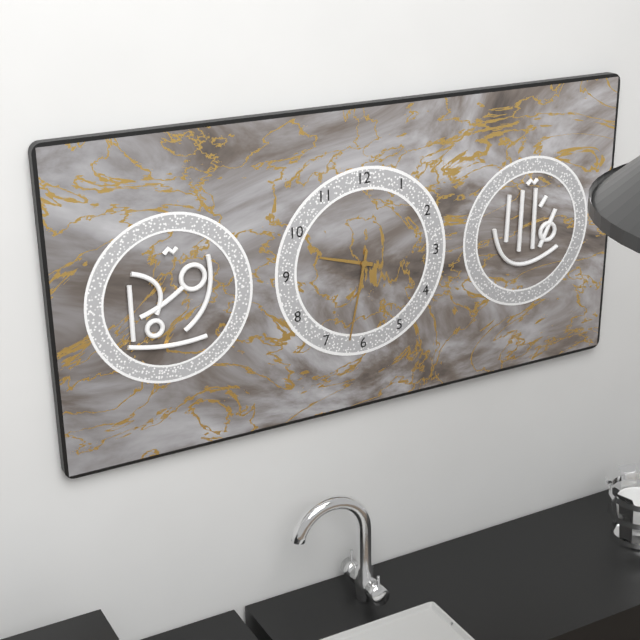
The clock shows h=9 m=32
